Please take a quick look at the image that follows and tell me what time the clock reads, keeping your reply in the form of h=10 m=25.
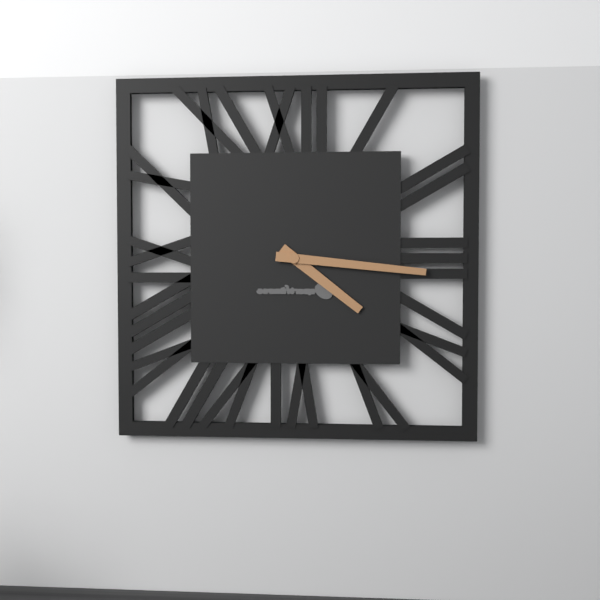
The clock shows h=4 m=16
